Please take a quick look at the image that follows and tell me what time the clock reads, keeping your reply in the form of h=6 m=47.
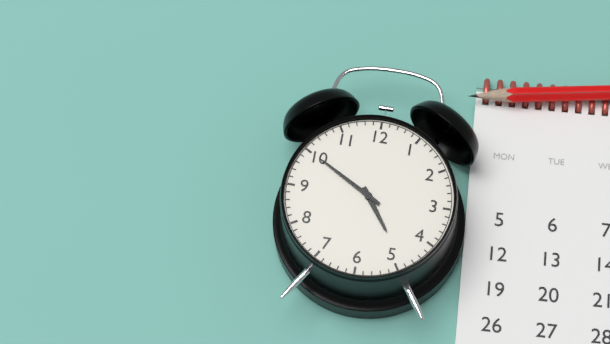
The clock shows h=4 m=50
